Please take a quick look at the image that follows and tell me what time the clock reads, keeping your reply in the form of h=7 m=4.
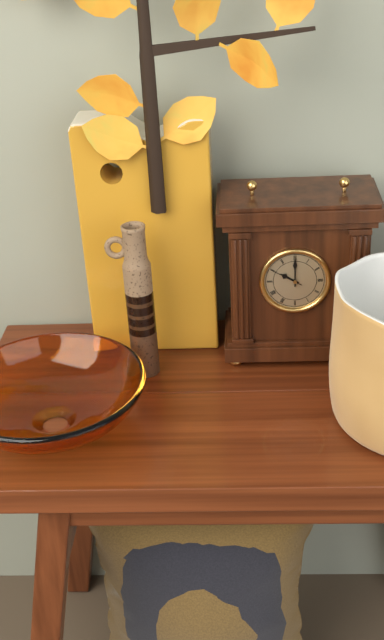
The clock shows h=10 m=0
